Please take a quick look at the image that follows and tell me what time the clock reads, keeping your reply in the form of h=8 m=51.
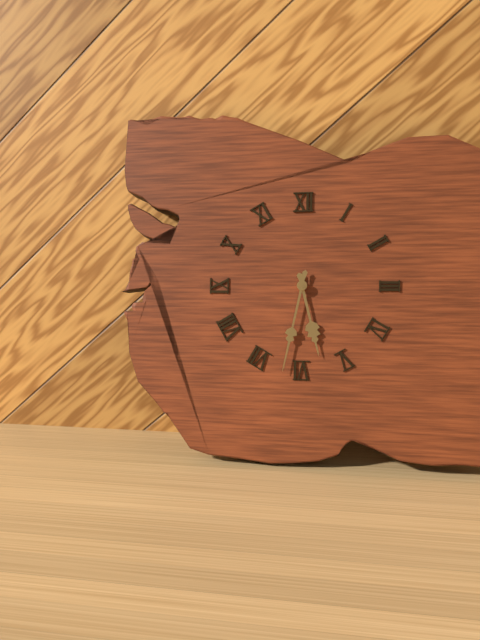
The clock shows h=5 m=32
